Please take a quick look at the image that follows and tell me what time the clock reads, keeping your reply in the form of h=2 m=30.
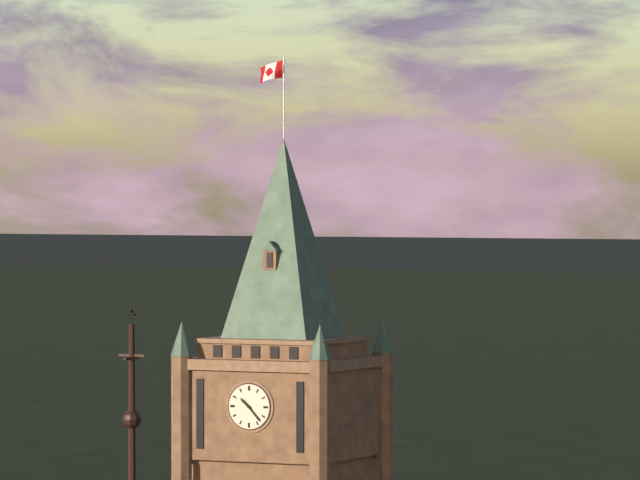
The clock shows h=10 m=23
